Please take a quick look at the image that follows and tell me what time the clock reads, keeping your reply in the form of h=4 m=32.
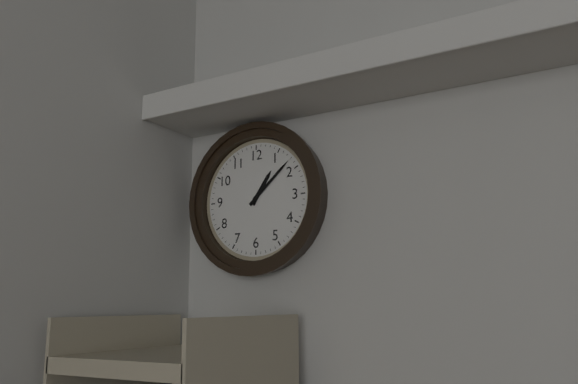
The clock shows h=1 m=8
